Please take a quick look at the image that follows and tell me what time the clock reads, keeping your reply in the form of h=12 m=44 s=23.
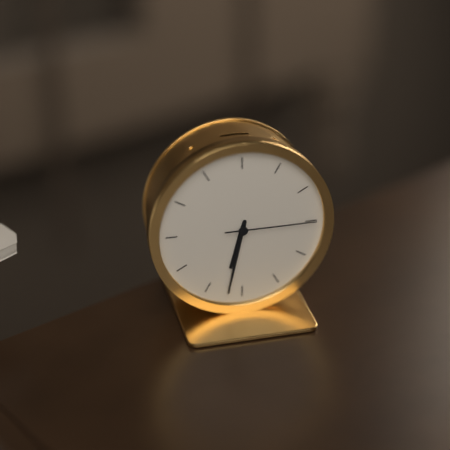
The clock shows h=6 m=32 s=15
